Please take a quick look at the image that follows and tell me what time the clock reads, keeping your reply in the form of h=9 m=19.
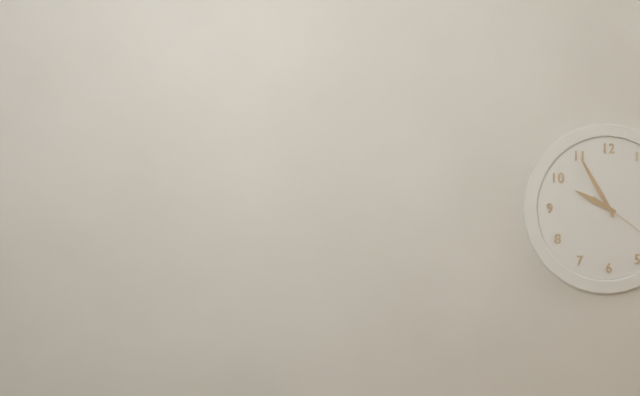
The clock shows h=9 m=55
